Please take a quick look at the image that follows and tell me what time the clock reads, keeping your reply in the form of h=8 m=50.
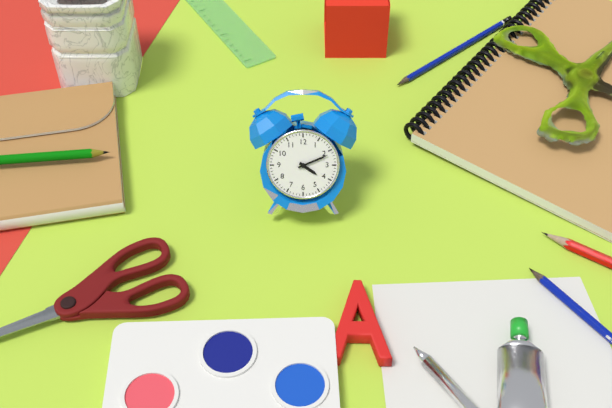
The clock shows h=4 m=11
